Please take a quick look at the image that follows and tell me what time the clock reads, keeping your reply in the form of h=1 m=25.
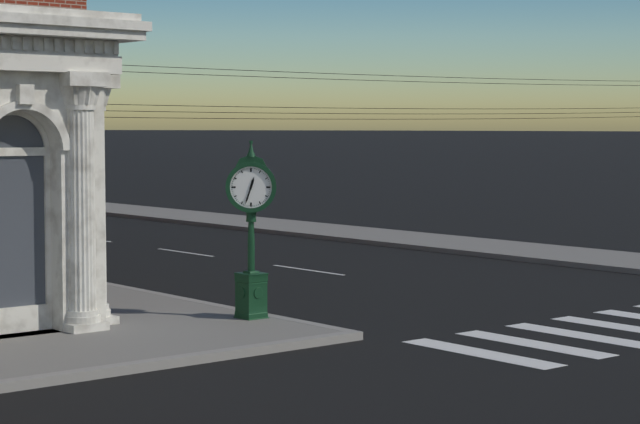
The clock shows h=12 m=33
